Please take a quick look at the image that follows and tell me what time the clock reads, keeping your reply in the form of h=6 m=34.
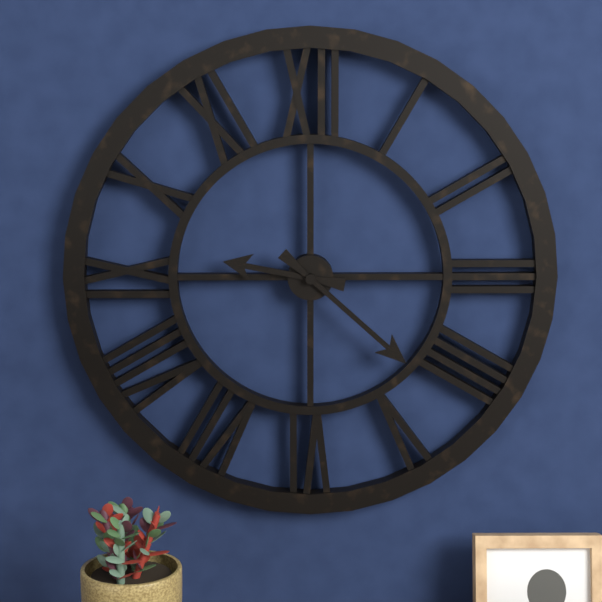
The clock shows h=9 m=22
